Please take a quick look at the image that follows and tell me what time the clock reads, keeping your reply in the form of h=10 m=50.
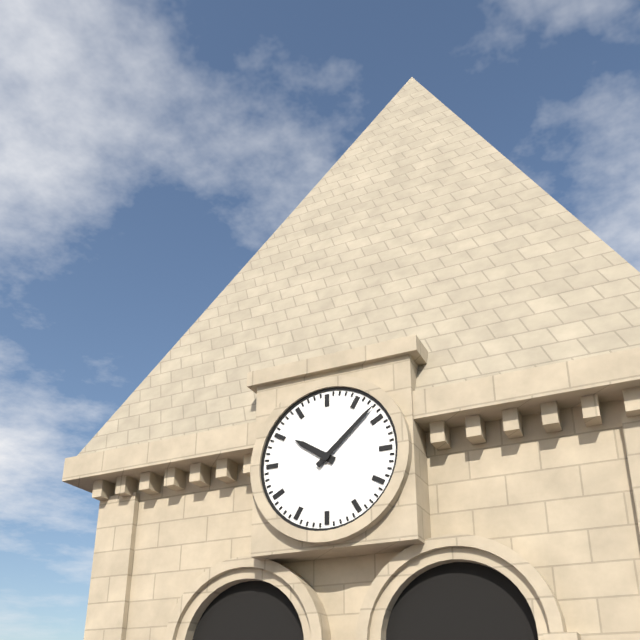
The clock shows h=10 m=8
